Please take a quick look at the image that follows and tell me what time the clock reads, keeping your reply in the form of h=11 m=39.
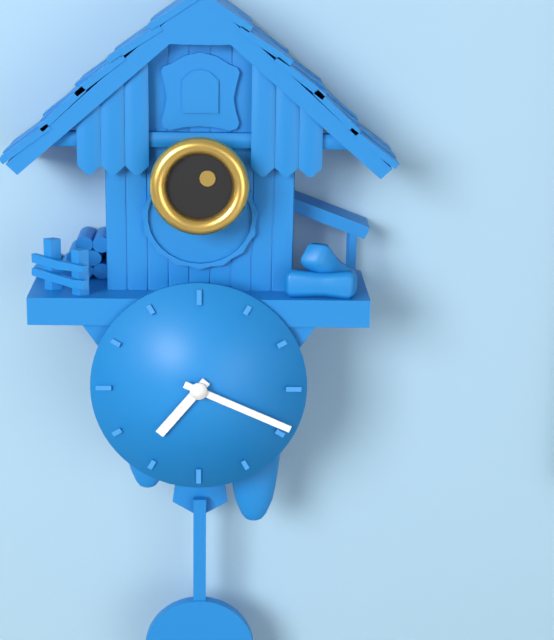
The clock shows h=7 m=19
